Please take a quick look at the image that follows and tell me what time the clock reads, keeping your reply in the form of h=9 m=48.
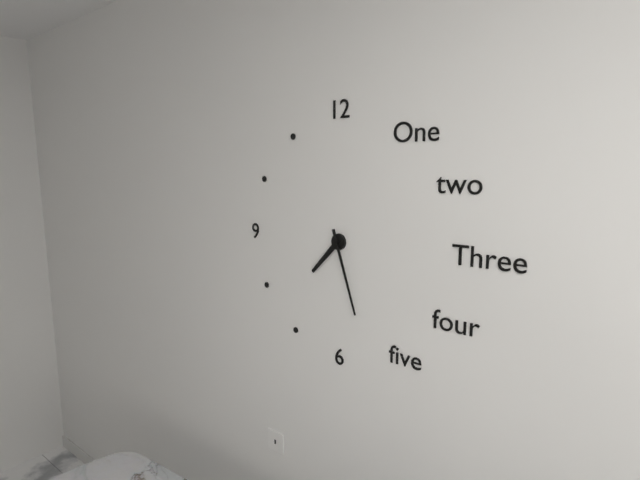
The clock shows h=7 m=27
